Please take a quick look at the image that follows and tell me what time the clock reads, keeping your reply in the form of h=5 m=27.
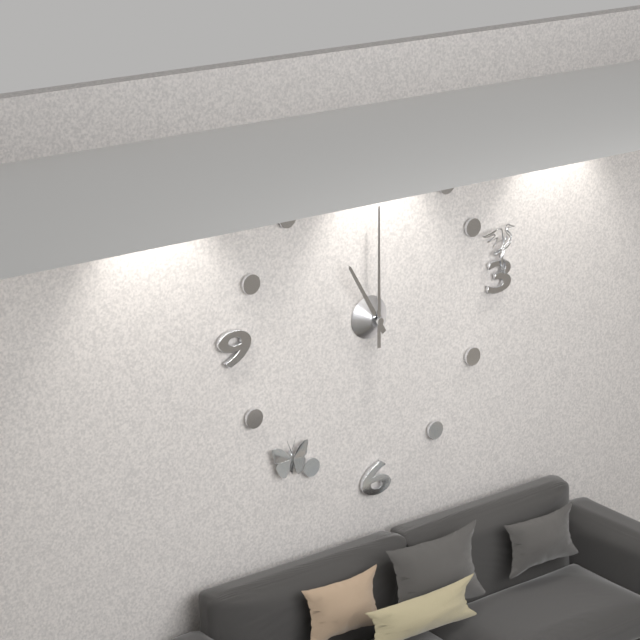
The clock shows h=11 m=0
